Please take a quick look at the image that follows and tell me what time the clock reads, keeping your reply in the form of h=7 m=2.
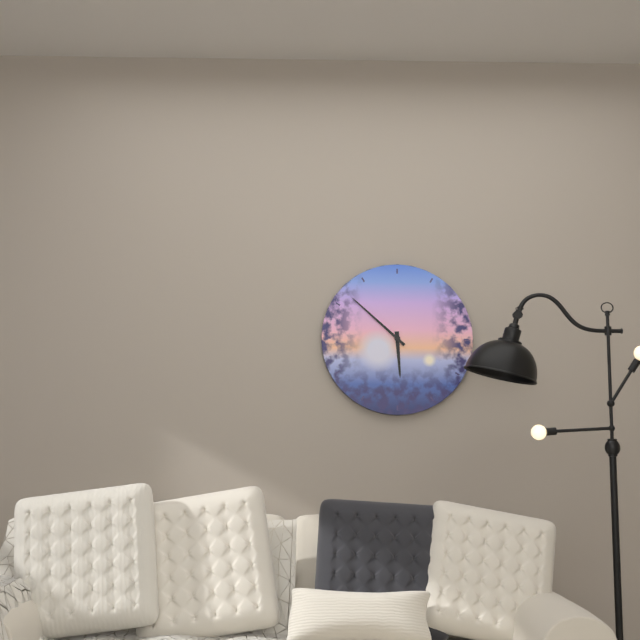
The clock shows h=5 m=52
